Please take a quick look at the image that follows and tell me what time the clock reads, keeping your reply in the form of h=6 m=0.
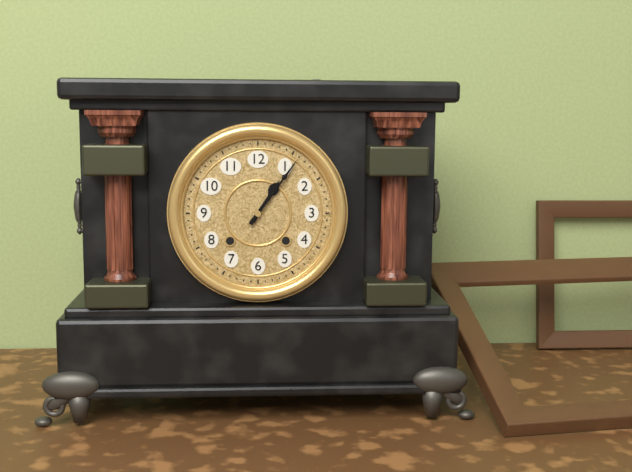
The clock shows h=1 m=6
